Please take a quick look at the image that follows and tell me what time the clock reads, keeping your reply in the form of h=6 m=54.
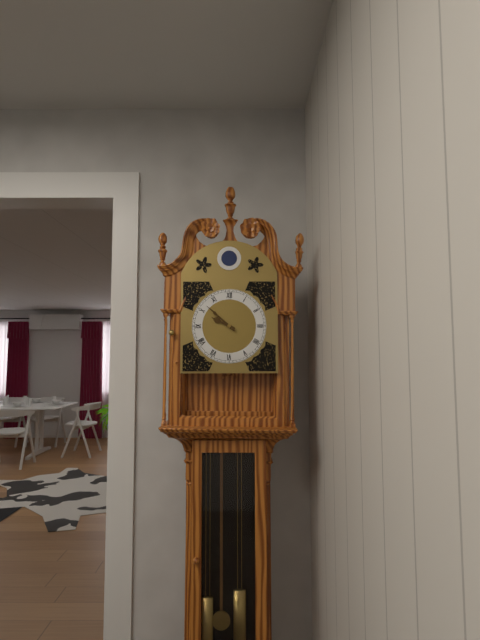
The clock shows h=9 m=52
